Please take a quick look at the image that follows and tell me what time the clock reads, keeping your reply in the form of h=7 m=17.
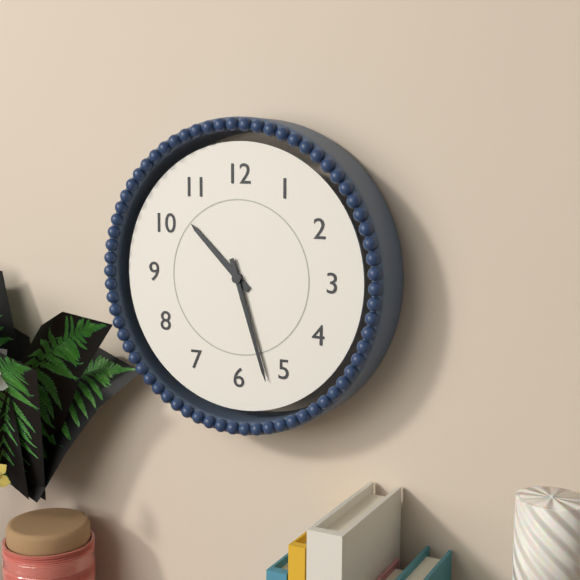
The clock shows h=10 m=27
